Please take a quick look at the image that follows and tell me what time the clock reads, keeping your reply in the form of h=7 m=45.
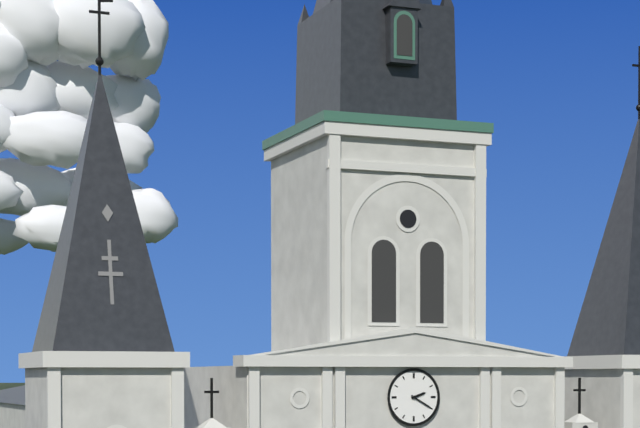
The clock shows h=2 m=20
